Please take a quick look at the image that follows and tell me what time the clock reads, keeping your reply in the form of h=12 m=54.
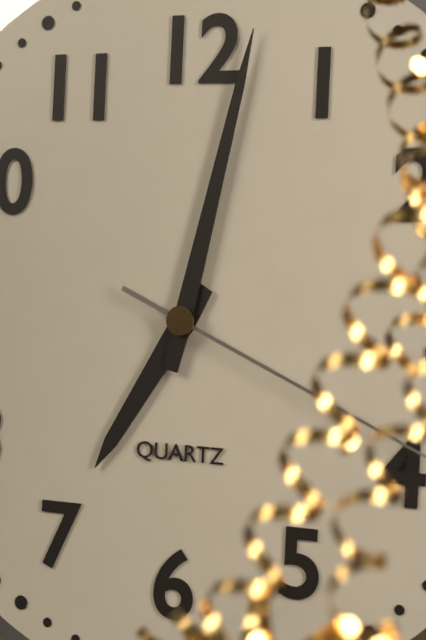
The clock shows h=7 m=2
